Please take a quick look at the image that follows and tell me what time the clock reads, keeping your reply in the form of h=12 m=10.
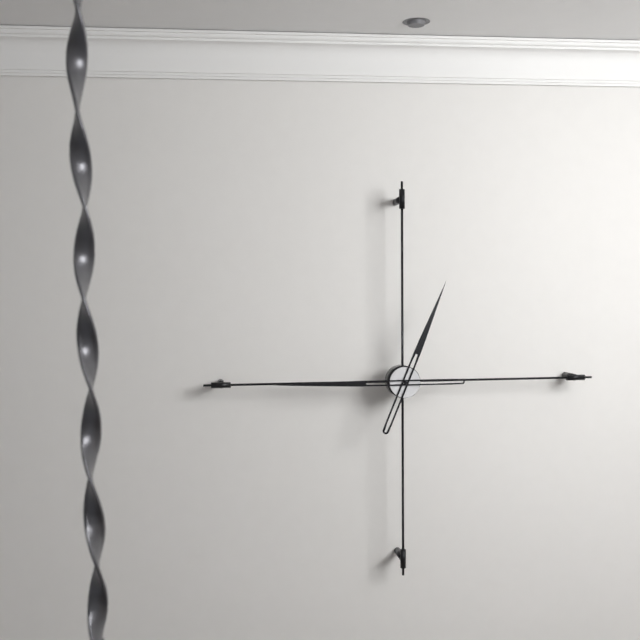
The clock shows h=12 m=45
